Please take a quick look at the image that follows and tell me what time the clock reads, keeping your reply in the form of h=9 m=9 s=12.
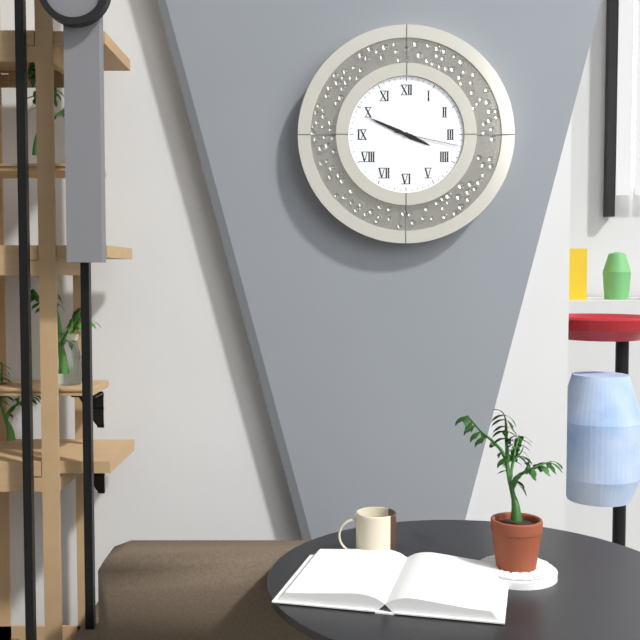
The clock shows h=3 m=49 s=17
